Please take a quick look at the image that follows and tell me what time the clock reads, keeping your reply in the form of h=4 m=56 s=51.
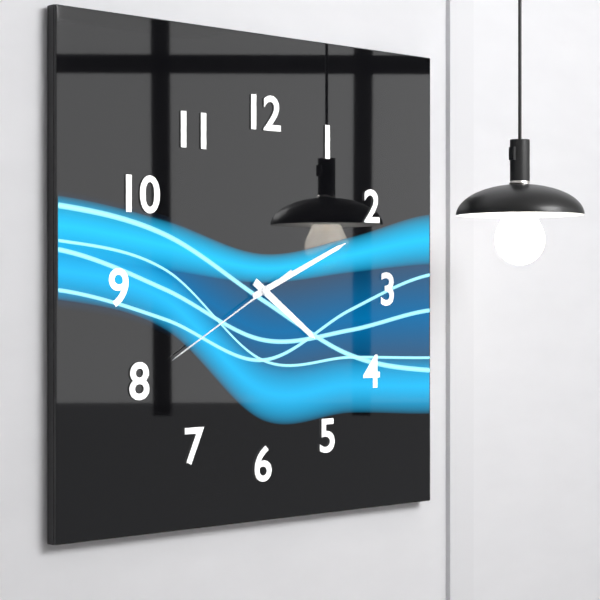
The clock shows h=4 m=11 s=40
